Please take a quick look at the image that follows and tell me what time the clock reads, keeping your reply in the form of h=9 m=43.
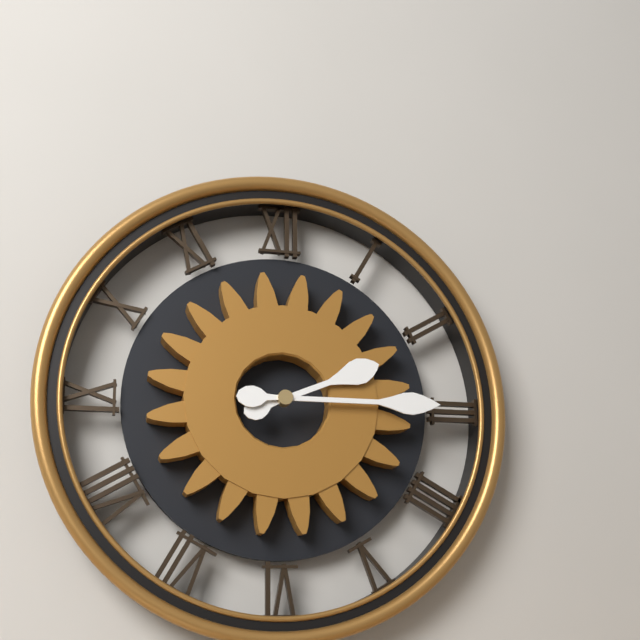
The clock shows h=2 m=15
